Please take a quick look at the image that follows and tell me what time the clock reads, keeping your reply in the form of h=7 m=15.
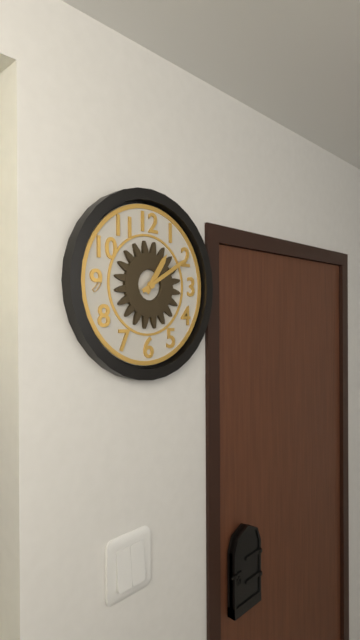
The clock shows h=1 m=10
